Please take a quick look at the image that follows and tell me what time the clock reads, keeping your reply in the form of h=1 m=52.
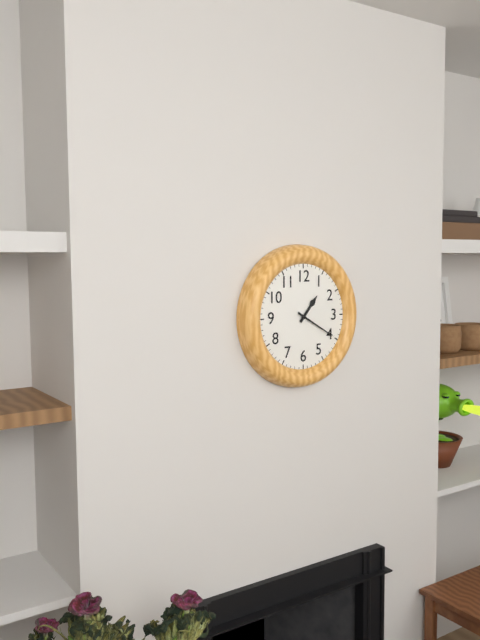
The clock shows h=1 m=20
